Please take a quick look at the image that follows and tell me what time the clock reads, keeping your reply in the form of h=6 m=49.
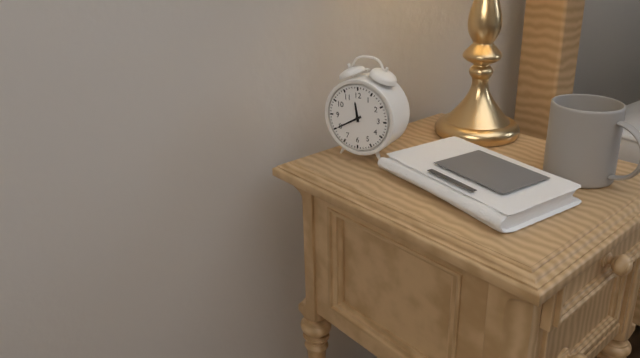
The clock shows h=11 m=40
